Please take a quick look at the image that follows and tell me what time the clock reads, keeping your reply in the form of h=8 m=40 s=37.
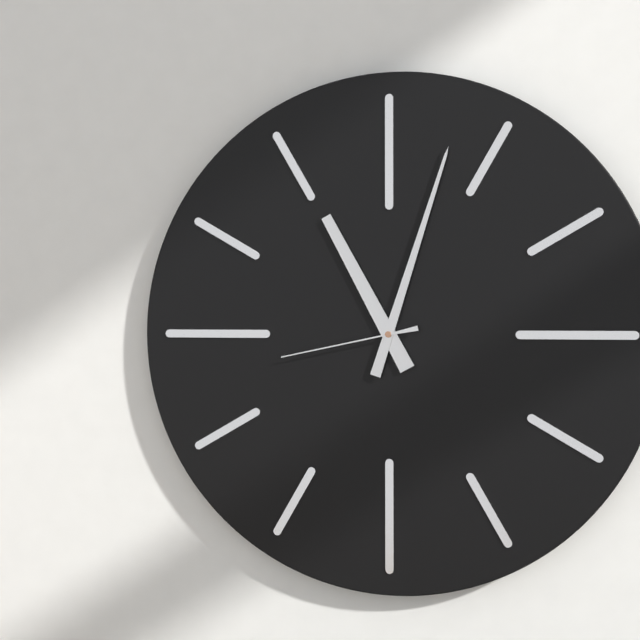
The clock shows h=11 m=3 s=43
